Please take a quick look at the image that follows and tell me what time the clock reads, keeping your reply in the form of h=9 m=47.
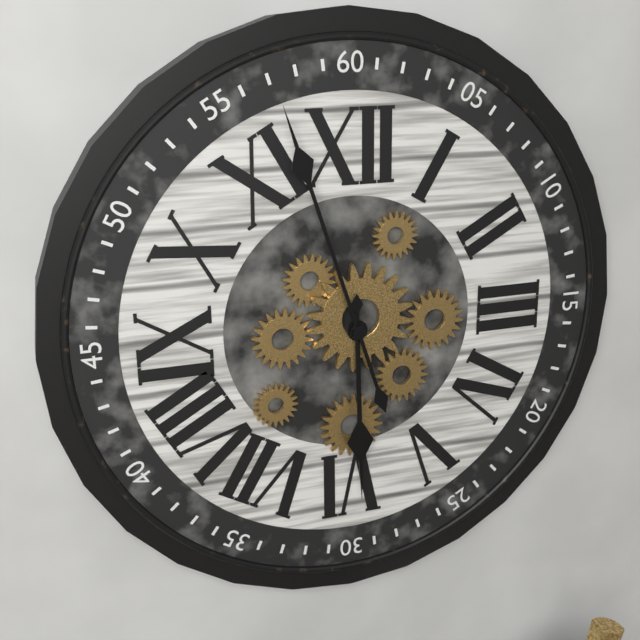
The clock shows h=5 m=57
